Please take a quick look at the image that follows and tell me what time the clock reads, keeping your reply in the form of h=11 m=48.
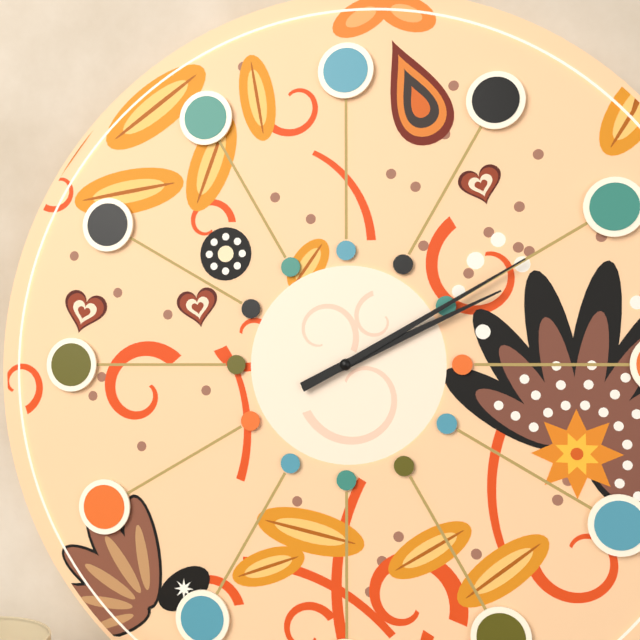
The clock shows h=2 m=10
